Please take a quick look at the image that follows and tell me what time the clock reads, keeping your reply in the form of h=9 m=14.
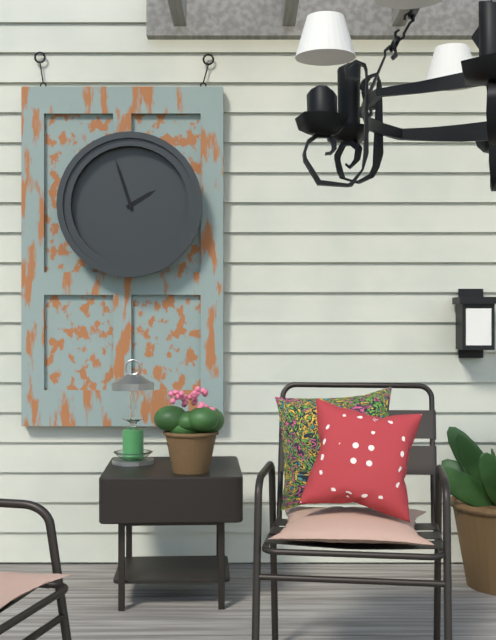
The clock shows h=1 m=57
